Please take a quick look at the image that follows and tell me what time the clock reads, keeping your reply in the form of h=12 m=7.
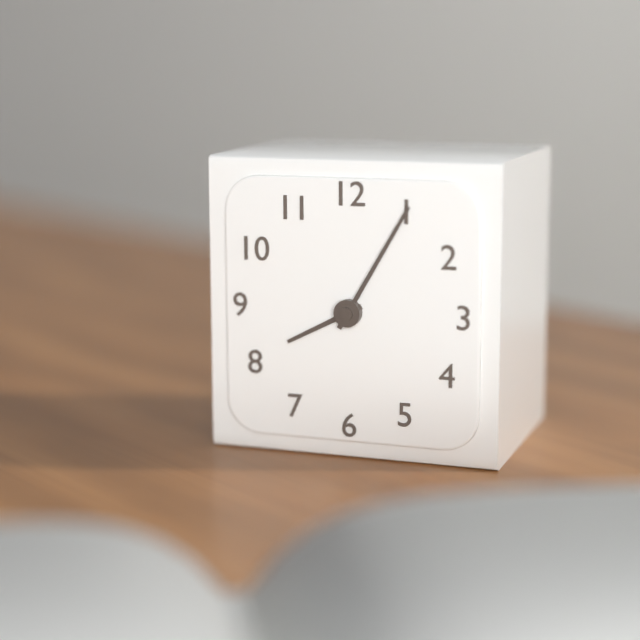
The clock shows h=8 m=5
